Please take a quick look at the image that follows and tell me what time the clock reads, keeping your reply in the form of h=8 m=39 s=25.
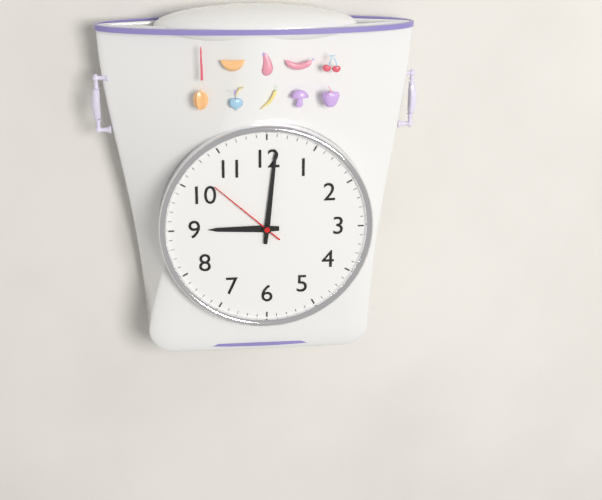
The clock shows h=9 m=1 s=52
